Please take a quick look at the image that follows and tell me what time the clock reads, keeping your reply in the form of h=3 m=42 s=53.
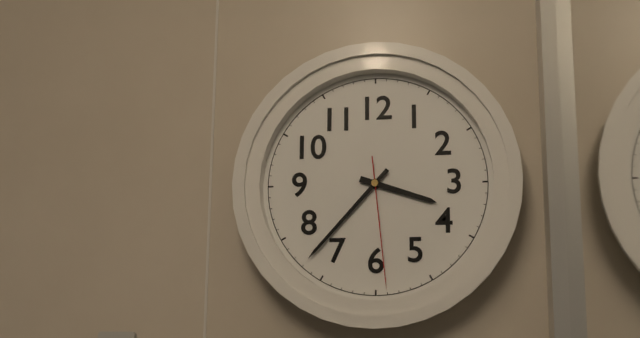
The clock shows h=3 m=37 s=29
